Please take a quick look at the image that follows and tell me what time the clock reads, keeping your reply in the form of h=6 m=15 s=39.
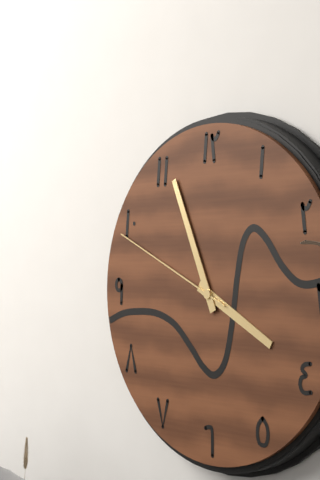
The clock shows h=3 m=56 s=49
